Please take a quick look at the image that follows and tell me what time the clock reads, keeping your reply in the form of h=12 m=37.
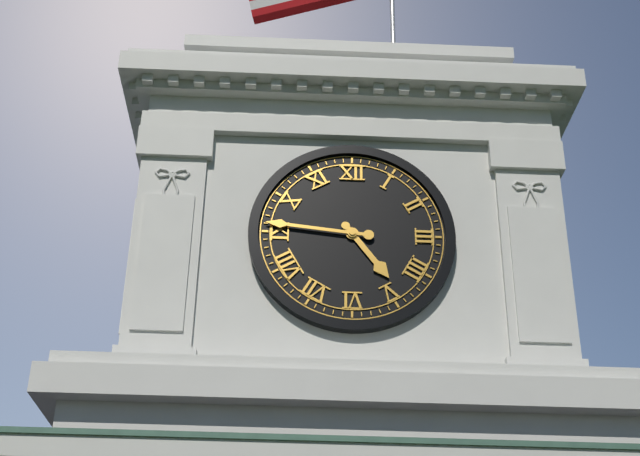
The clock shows h=4 m=46
